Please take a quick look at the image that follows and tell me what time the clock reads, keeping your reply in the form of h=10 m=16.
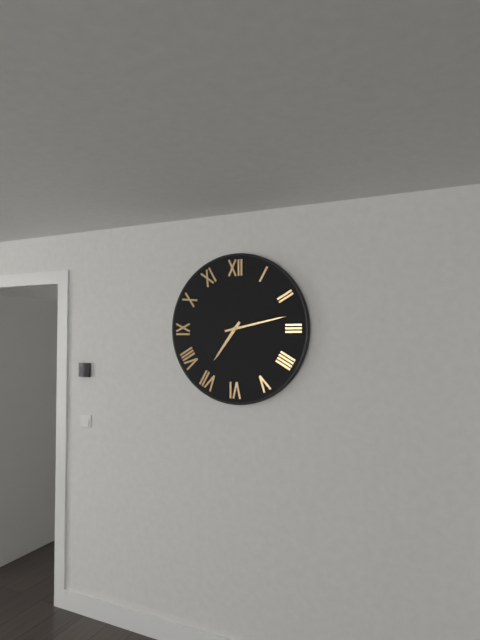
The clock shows h=7 m=13
